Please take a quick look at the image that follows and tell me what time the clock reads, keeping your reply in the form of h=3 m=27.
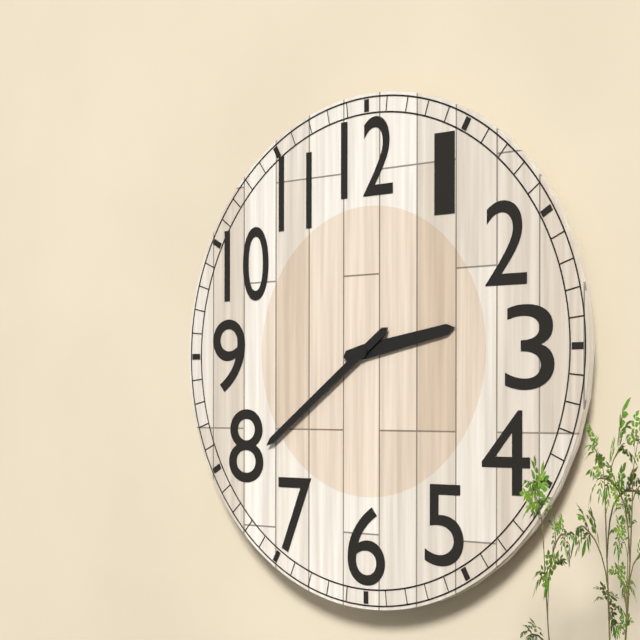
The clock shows h=2 m=39
